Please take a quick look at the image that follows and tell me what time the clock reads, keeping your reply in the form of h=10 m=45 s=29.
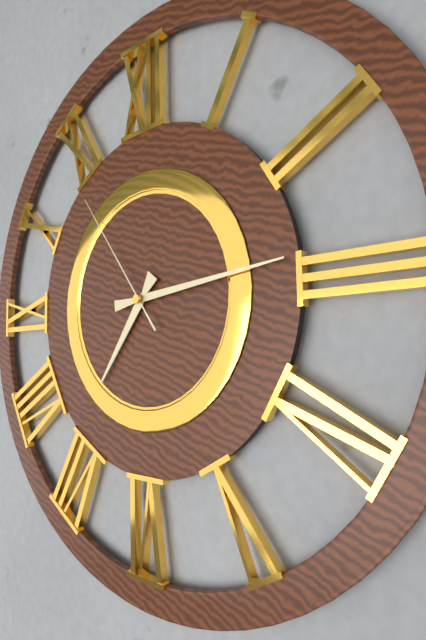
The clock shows h=7 m=14 s=54
